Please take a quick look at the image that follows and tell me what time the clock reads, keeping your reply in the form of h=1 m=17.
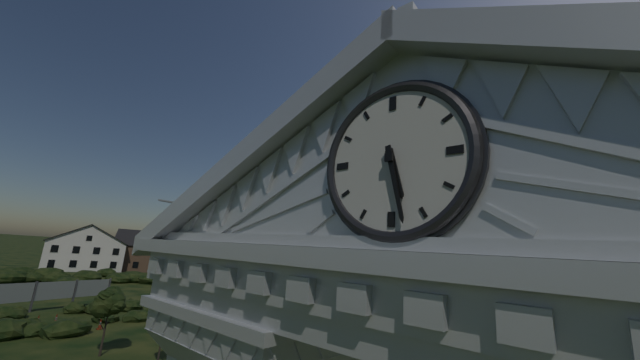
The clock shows h=5 m=28
